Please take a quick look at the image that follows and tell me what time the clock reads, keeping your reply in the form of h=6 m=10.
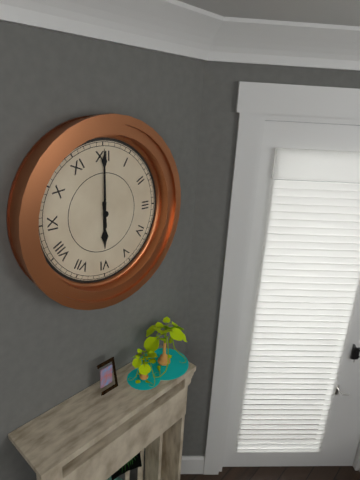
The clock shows h=6 m=0
